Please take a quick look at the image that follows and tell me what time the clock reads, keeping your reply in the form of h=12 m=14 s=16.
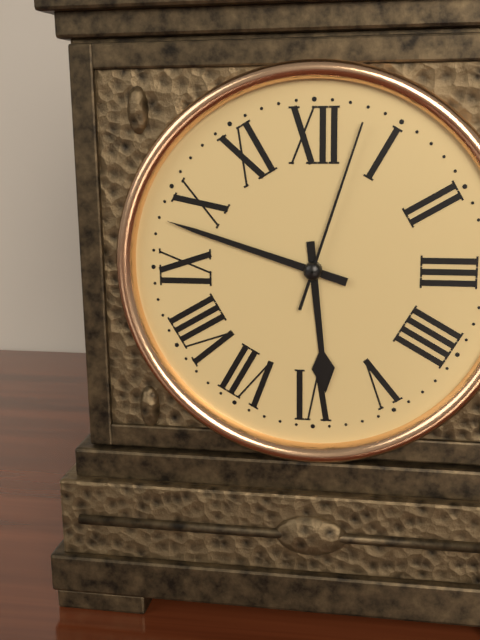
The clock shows h=5 m=48 s=3
